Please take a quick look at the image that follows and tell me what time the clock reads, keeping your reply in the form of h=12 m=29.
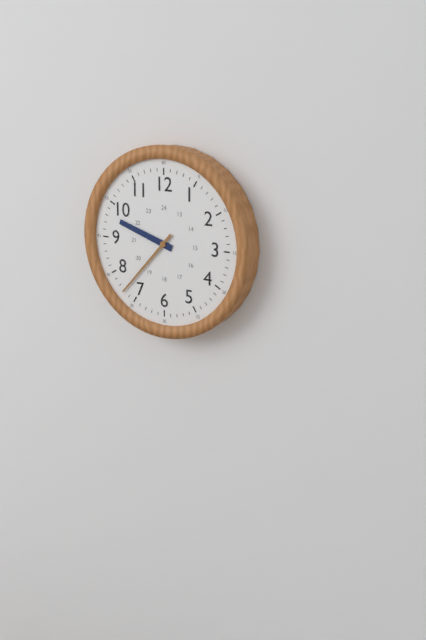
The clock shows h=9 m=37
